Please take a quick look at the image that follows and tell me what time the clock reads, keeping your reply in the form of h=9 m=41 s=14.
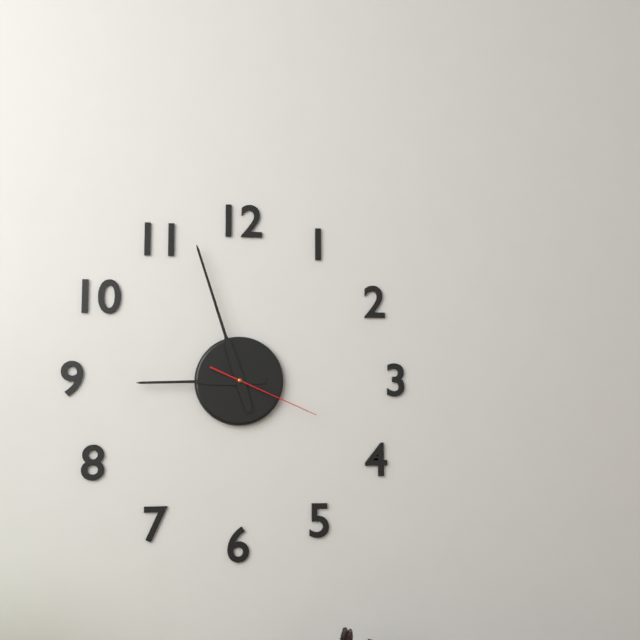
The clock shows h=8 m=57 s=19
